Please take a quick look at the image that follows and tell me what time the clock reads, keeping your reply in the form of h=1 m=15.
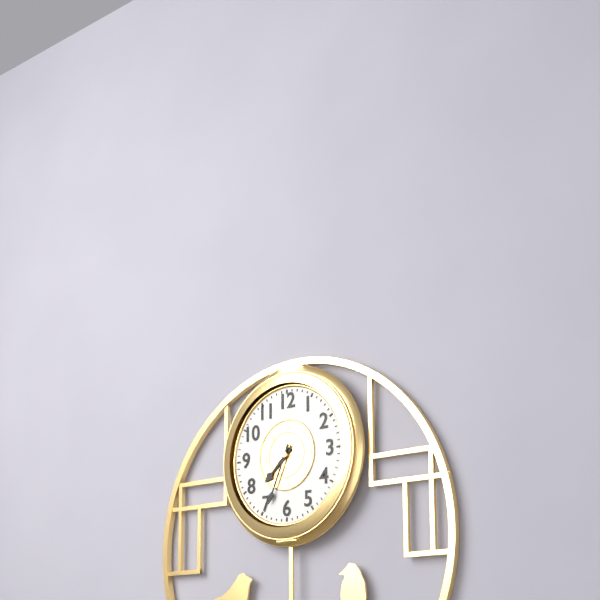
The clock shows h=7 m=34
